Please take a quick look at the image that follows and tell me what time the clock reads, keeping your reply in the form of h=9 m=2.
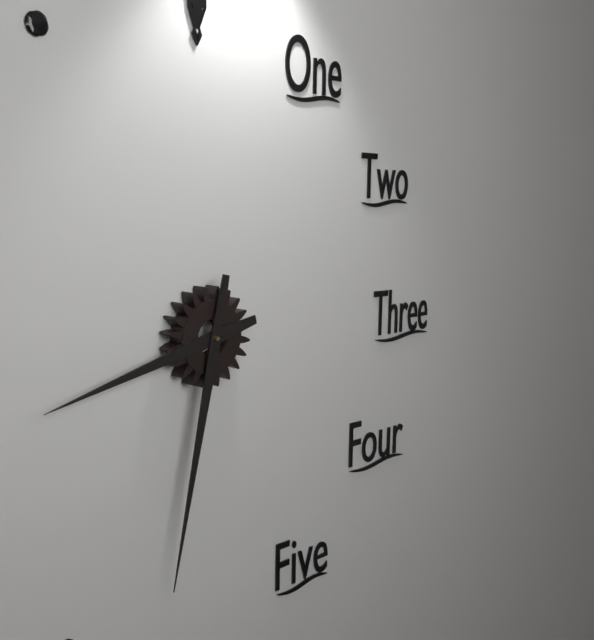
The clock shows h=8 m=32
